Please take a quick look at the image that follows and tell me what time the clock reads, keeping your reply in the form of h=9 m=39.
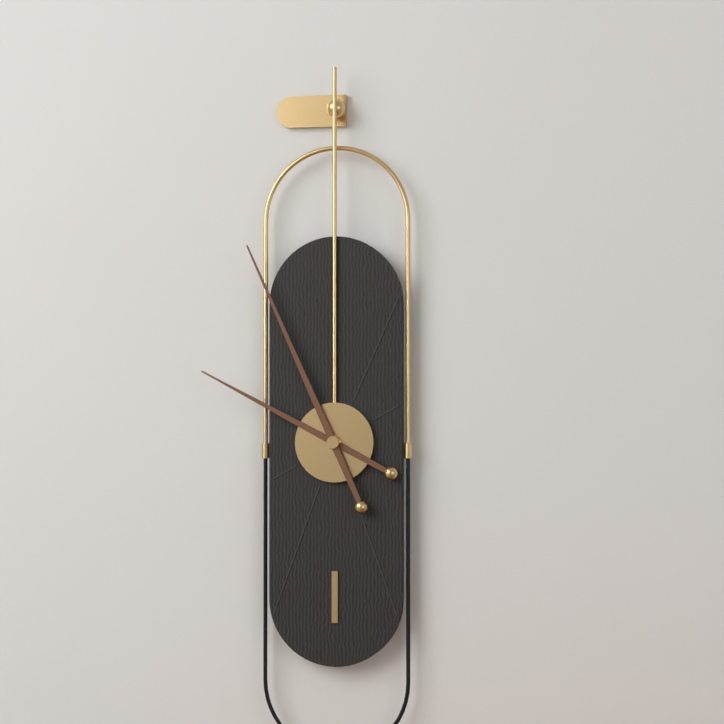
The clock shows h=9 m=56
